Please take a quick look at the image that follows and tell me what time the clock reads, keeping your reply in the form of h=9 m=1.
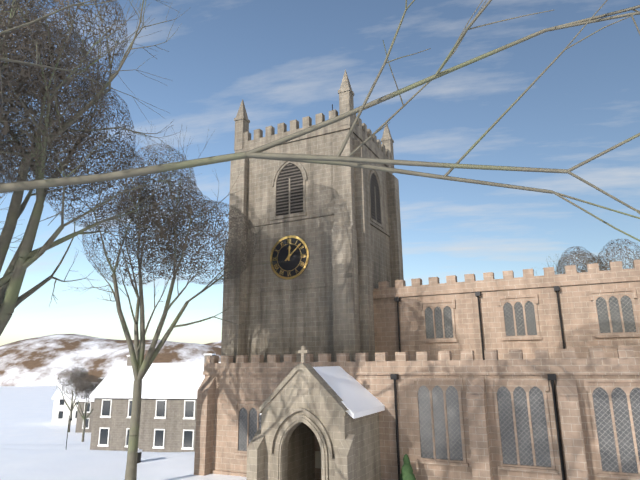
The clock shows h=12 m=8
